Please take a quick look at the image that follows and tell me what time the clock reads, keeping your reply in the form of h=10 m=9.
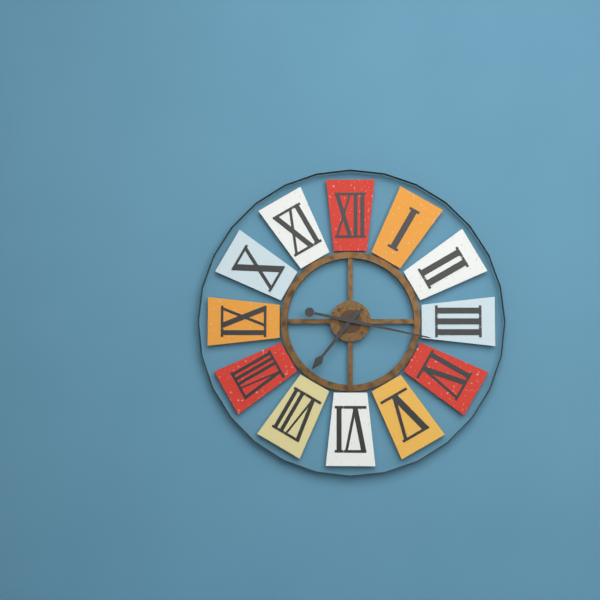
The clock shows h=7 m=17
